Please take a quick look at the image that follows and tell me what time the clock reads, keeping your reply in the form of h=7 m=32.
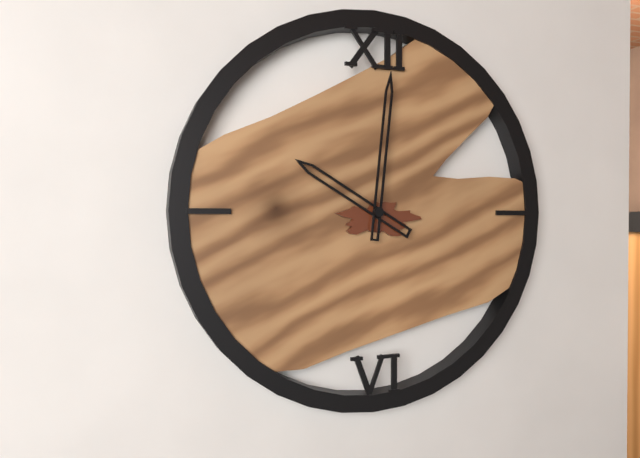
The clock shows h=10 m=1
